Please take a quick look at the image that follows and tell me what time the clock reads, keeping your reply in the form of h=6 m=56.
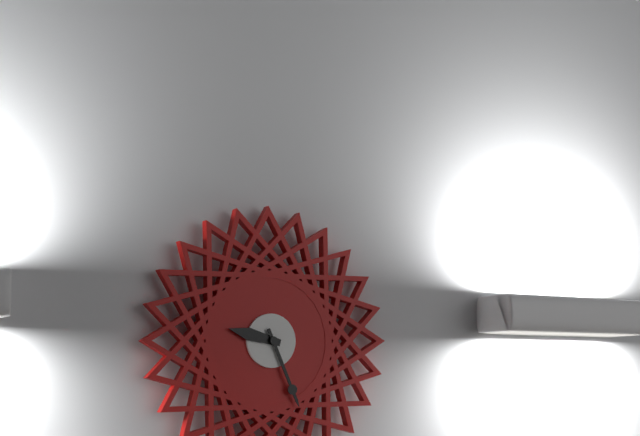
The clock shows h=9 m=26
